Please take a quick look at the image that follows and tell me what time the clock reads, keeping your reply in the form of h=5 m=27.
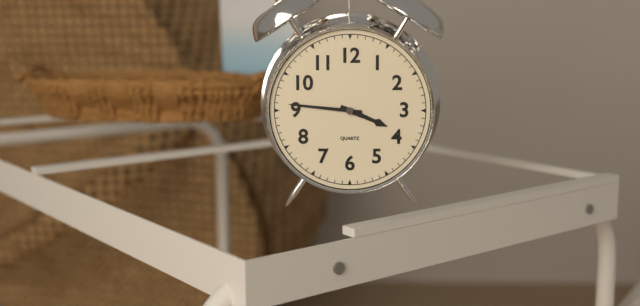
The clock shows h=3 m=46
